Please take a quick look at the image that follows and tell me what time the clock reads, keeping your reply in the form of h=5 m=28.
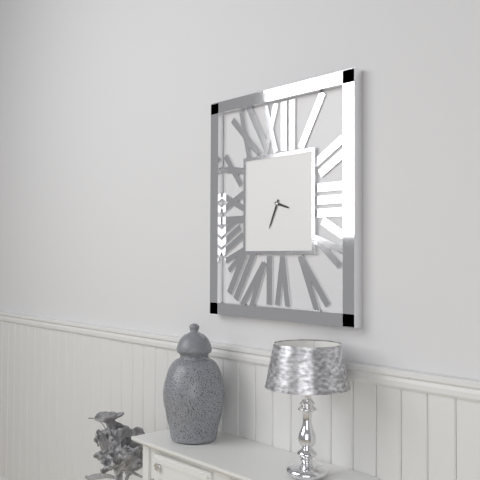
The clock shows h=3 m=34
